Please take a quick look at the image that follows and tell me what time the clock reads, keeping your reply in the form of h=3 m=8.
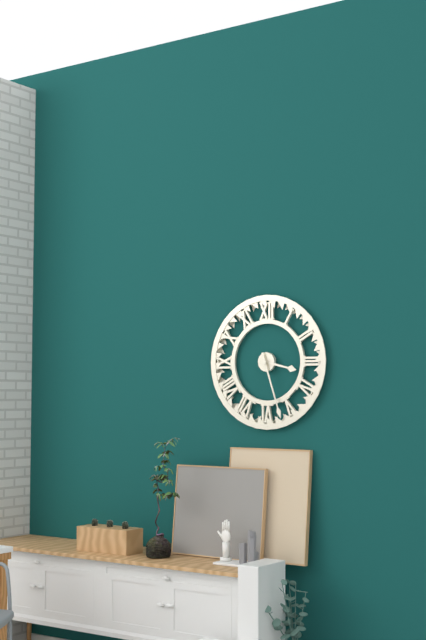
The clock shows h=3 m=27
